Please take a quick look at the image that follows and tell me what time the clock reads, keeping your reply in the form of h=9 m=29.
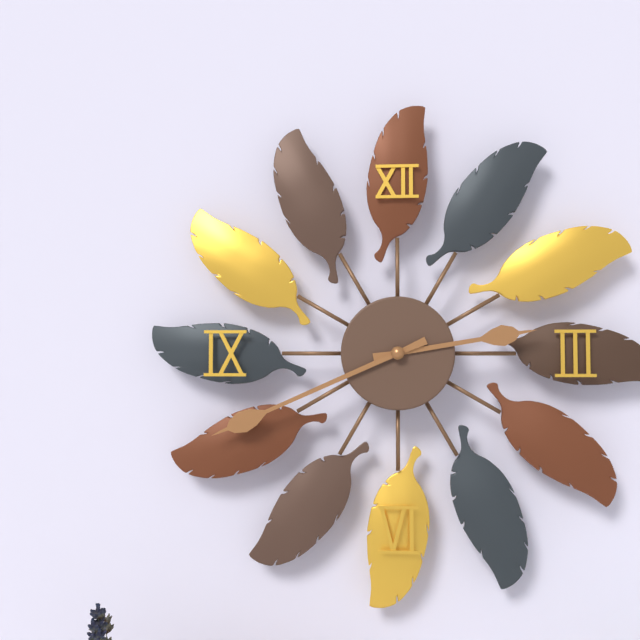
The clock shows h=2 m=41
